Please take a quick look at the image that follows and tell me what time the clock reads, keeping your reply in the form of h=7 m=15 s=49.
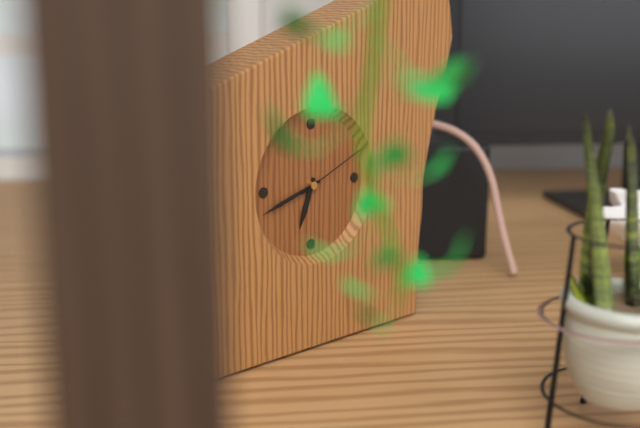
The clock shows h=6 m=42 s=11
